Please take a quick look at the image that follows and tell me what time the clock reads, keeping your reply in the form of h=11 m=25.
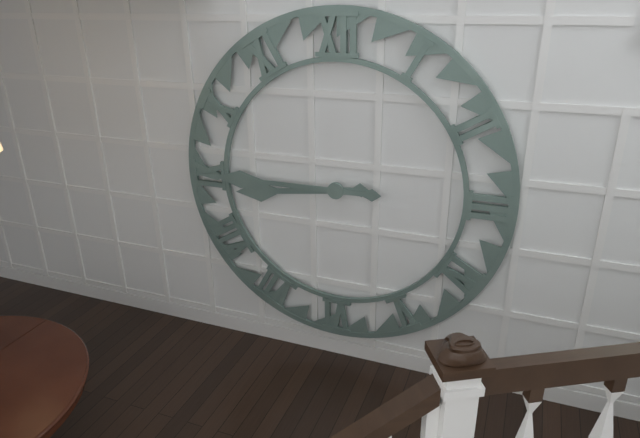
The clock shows h=8 m=45
